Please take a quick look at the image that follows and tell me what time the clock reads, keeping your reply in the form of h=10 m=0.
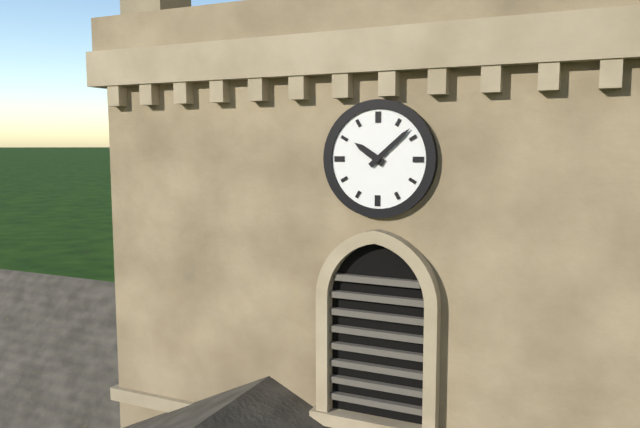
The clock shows h=10 m=8
